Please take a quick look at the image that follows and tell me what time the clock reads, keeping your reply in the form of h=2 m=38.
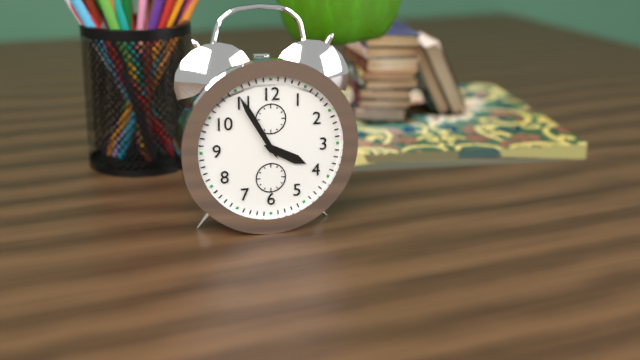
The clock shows h=3 m=55
